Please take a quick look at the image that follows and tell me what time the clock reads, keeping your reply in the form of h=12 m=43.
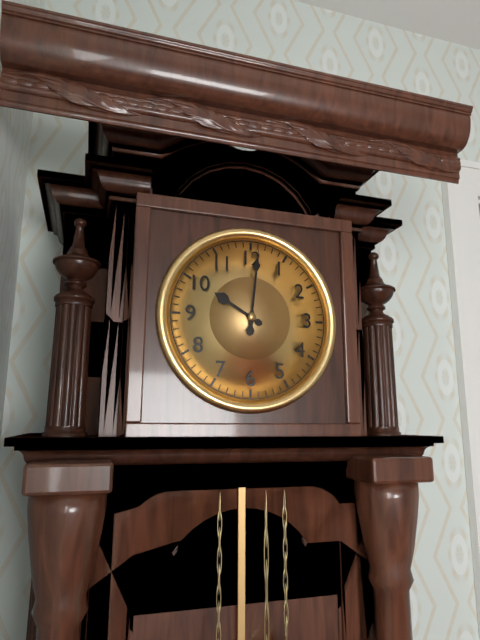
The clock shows h=10 m=1
